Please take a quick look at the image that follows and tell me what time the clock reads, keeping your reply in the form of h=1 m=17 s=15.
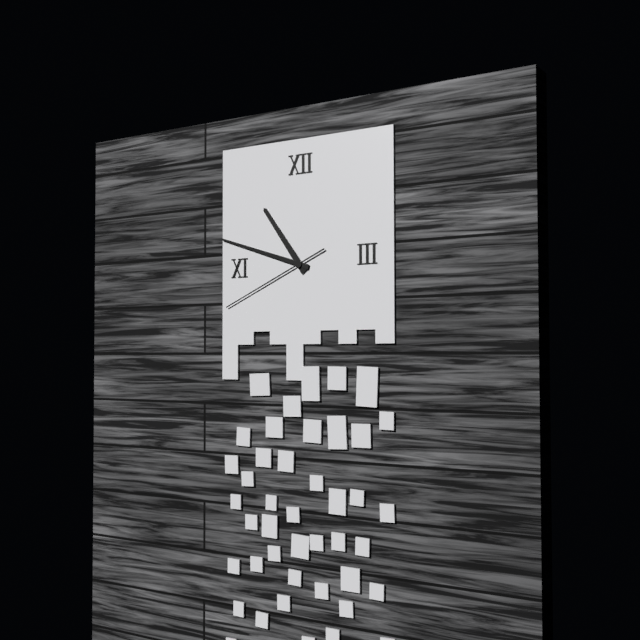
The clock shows h=10 m=48 s=41
